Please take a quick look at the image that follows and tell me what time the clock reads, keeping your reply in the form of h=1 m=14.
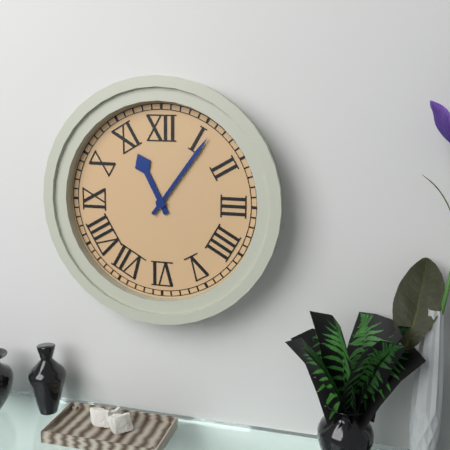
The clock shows h=11 m=6
